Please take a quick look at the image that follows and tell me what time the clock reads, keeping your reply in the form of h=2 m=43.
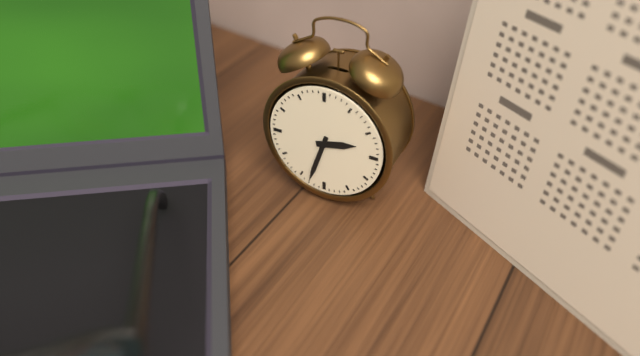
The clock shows h=2 m=33
